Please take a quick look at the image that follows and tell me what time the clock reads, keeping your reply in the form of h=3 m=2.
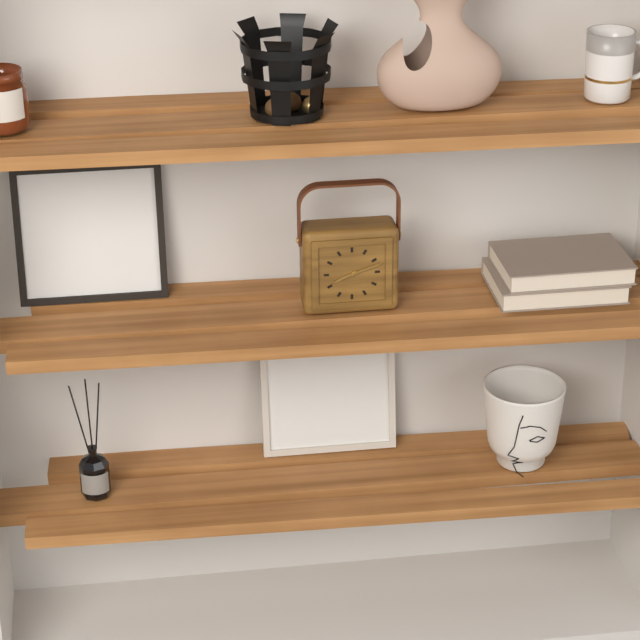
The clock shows h=8 m=12
